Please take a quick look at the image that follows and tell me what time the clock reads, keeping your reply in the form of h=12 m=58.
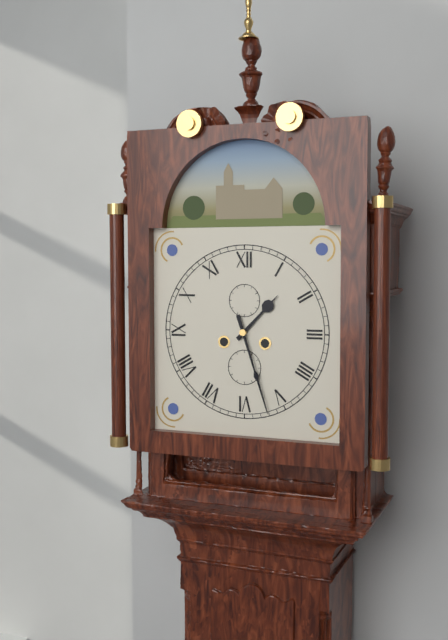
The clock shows h=1 m=27
